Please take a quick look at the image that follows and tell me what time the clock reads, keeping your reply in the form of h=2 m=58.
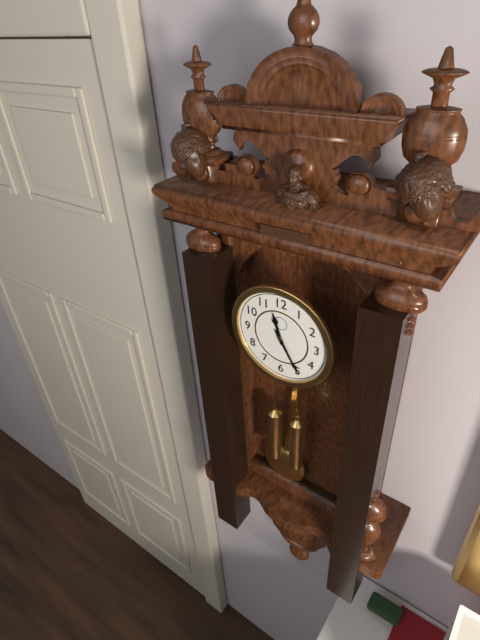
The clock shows h=11 m=25
